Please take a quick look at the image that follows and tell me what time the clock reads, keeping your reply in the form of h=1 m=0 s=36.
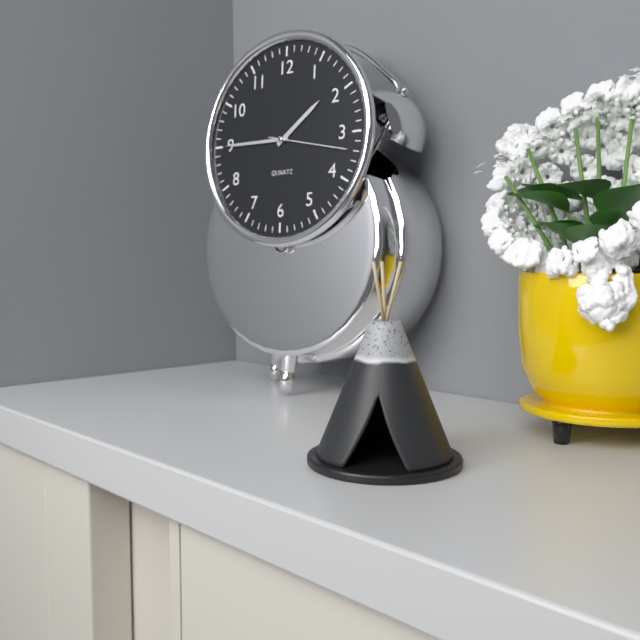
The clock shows h=1 m=45 s=17
